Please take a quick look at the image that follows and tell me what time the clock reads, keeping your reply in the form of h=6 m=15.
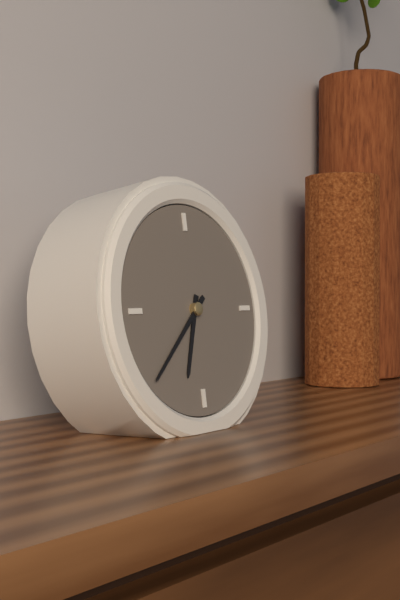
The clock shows h=6 m=38
